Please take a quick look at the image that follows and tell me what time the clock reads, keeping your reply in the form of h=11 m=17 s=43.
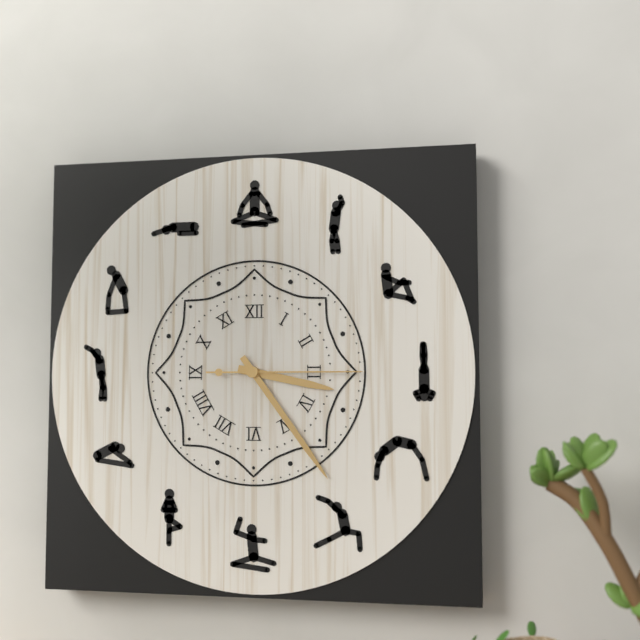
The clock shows h=3 m=24 s=15
